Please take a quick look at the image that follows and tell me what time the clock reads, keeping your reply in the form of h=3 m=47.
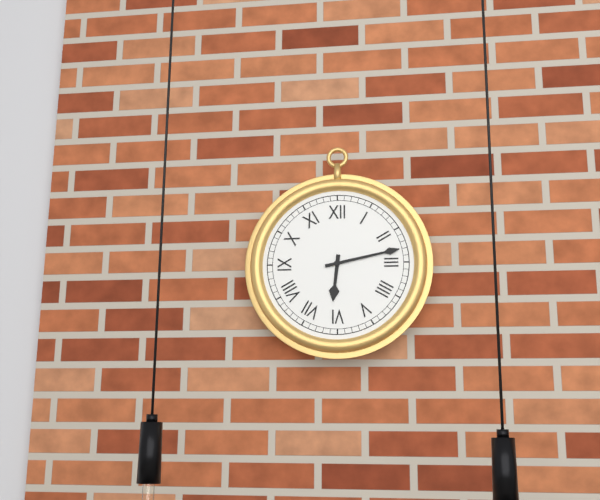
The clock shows h=6 m=13
